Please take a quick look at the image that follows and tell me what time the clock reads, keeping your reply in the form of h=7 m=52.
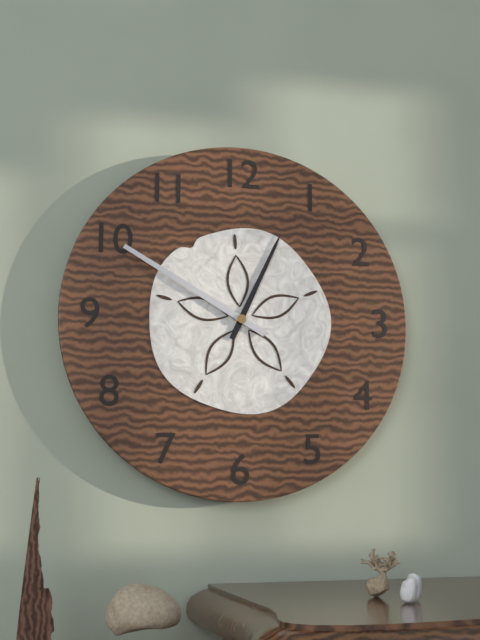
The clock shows h=12 m=50
